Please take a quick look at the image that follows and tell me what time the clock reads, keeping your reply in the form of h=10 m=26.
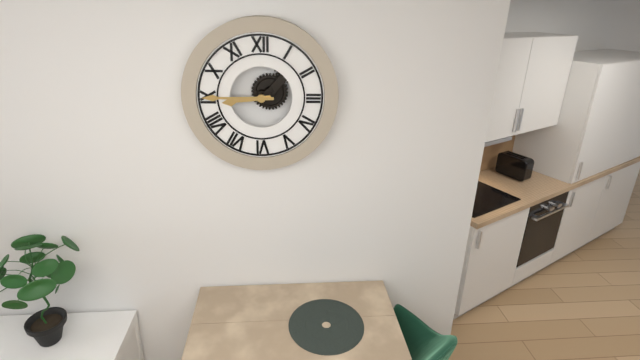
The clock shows h=8 m=45
